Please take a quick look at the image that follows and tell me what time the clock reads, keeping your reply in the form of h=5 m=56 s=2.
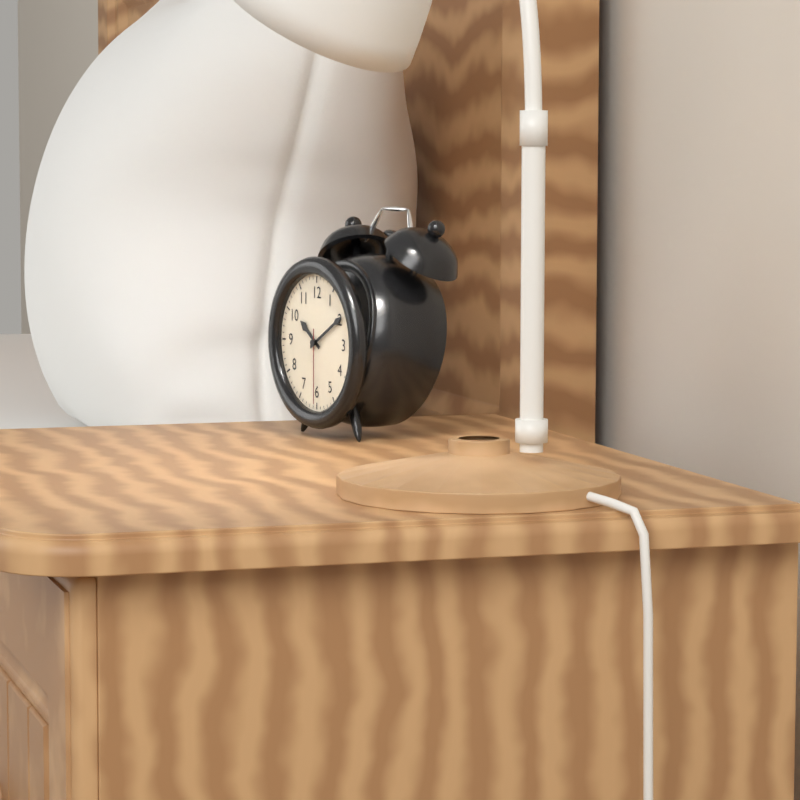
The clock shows h=10 m=10 s=30
